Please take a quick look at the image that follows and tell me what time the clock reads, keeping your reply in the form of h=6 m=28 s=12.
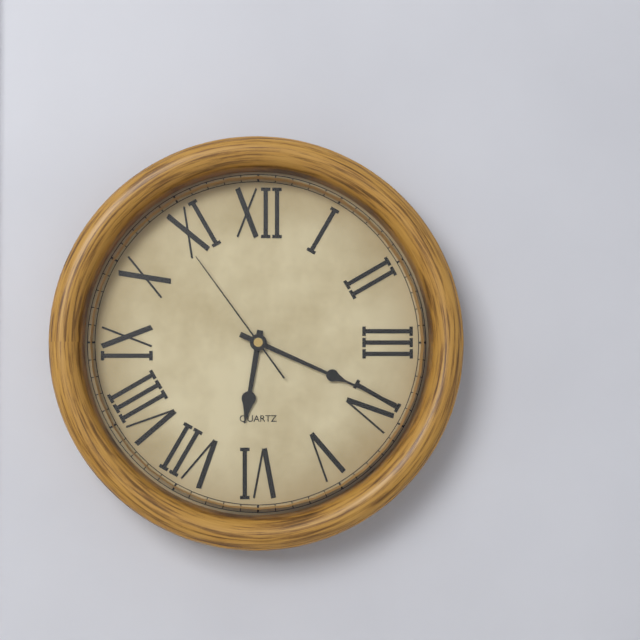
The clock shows h=6 m=19 s=54
